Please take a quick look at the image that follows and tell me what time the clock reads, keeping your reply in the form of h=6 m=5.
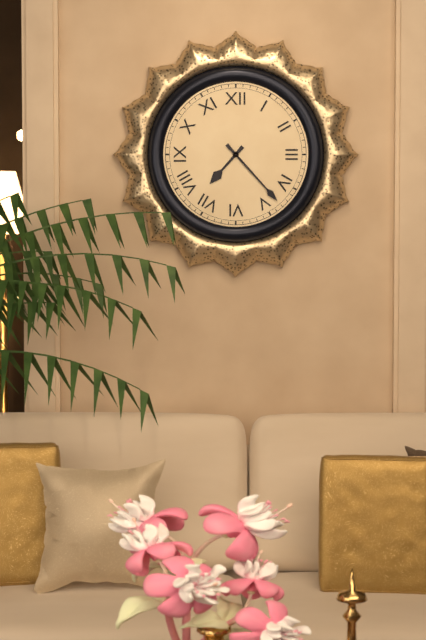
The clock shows h=7 m=23
